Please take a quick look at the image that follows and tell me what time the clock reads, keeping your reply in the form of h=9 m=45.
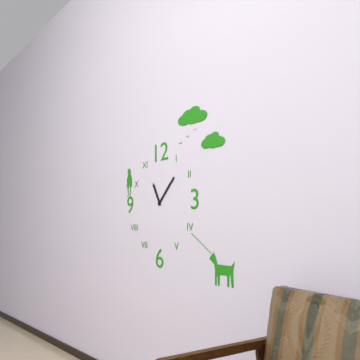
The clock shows h=11 m=7
